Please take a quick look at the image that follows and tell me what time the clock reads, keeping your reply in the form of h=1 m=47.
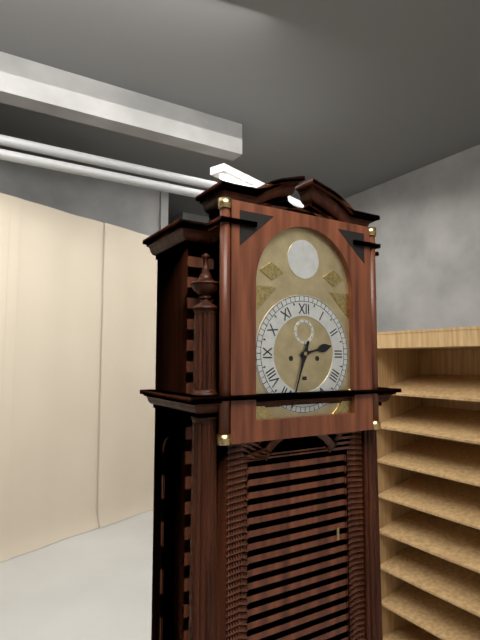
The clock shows h=2 m=33
